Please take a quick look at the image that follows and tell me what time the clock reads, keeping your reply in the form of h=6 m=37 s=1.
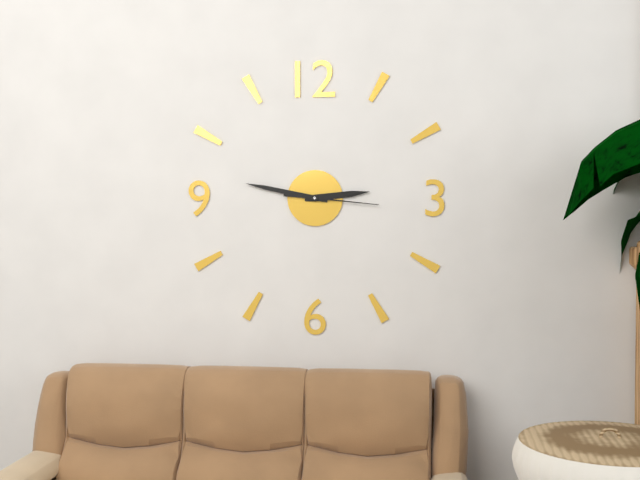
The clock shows h=2 m=47 s=16
